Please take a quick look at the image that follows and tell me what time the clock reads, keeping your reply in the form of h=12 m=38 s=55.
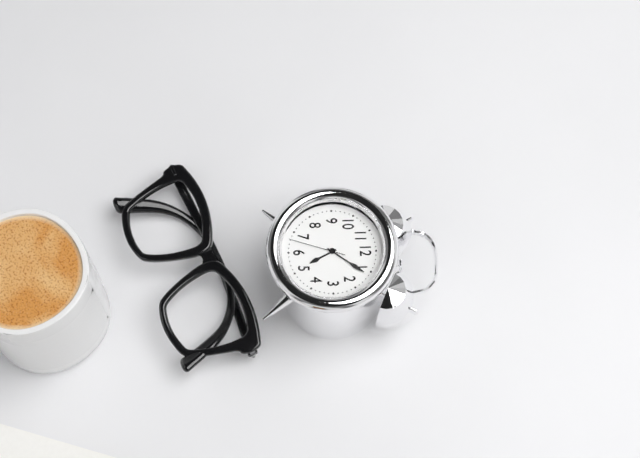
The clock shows h=5 m=6 s=33
